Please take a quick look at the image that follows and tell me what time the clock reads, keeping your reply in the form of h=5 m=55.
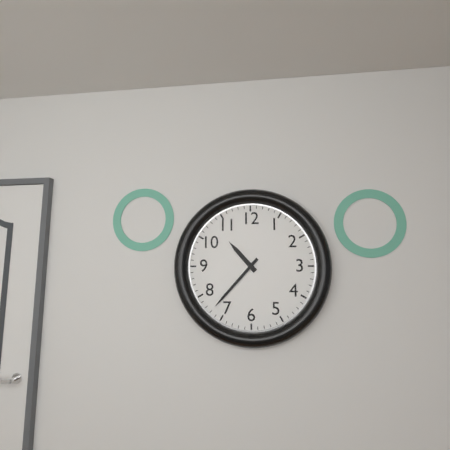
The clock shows h=10 m=37
